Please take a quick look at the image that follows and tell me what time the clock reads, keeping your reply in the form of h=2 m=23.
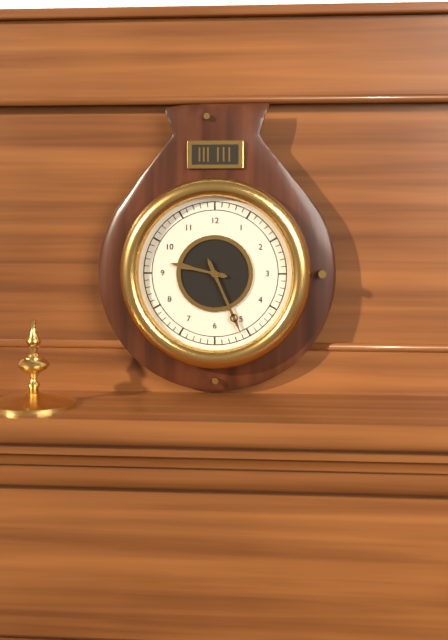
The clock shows h=9 m=26
